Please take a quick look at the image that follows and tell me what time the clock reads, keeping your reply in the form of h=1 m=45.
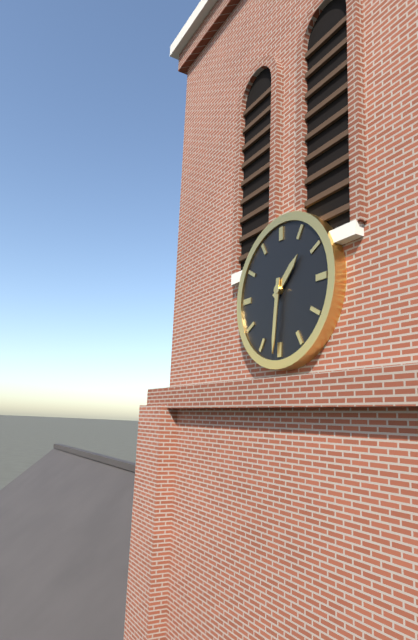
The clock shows h=1 m=31
